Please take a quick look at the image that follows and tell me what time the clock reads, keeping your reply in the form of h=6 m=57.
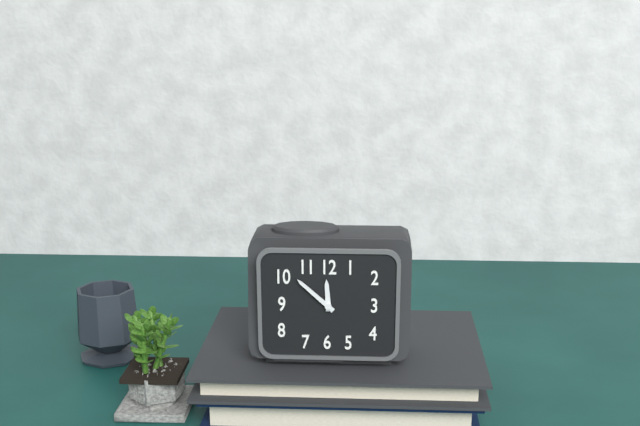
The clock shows h=11 m=52
